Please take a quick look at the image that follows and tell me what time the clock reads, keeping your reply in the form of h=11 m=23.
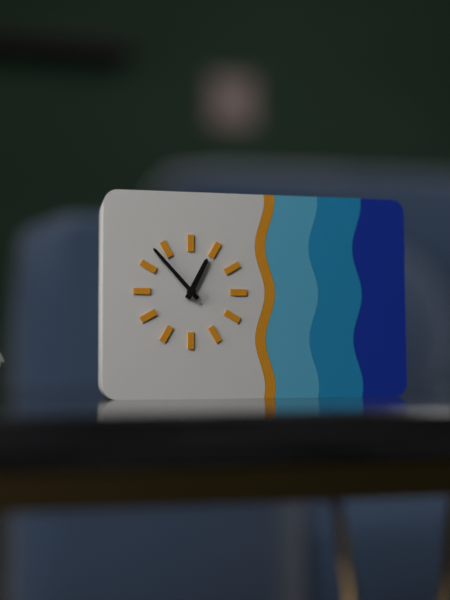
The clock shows h=12 m=53
